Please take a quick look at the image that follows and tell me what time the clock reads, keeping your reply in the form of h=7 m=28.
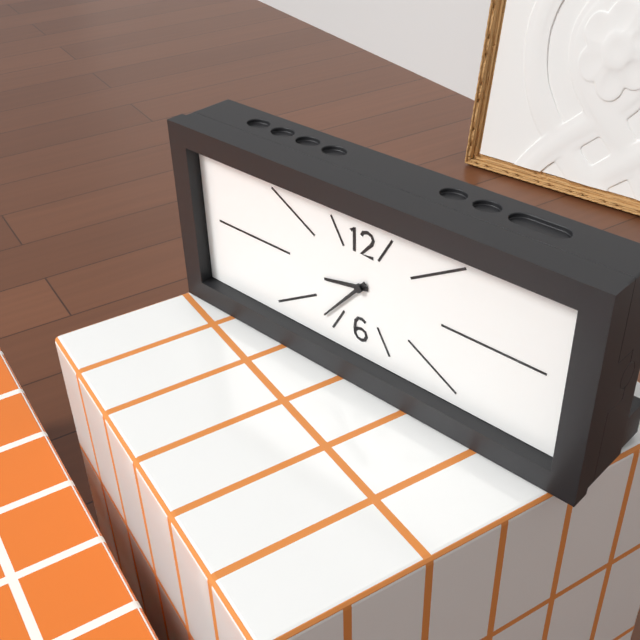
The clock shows h=8 m=37
